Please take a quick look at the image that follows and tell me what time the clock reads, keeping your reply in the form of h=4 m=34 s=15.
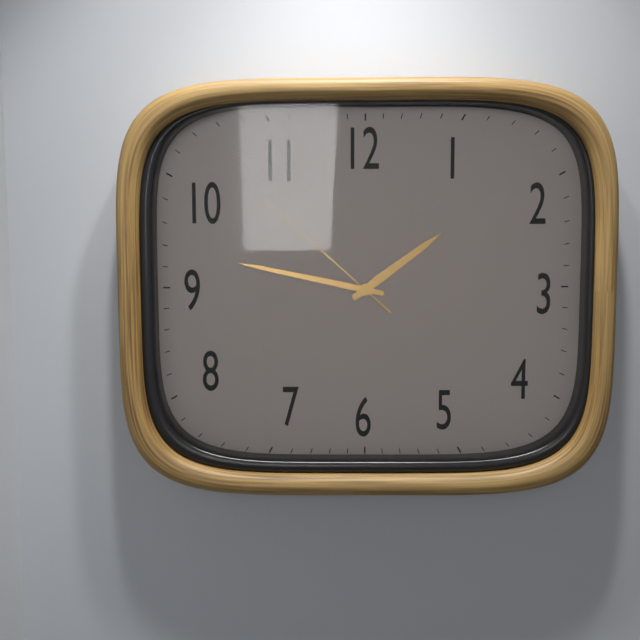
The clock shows h=1 m=47 s=52
